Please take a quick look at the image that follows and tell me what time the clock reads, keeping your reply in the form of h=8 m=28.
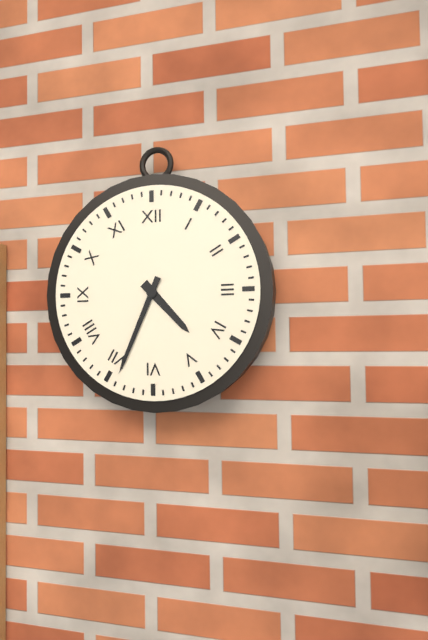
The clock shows h=4 m=34
